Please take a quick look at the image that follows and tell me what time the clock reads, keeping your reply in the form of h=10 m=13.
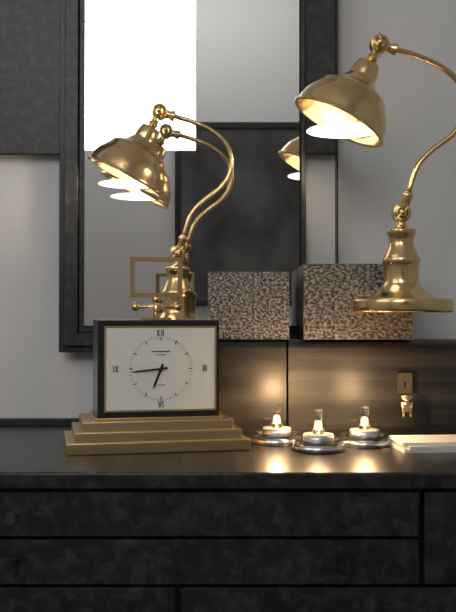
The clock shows h=6 m=44
